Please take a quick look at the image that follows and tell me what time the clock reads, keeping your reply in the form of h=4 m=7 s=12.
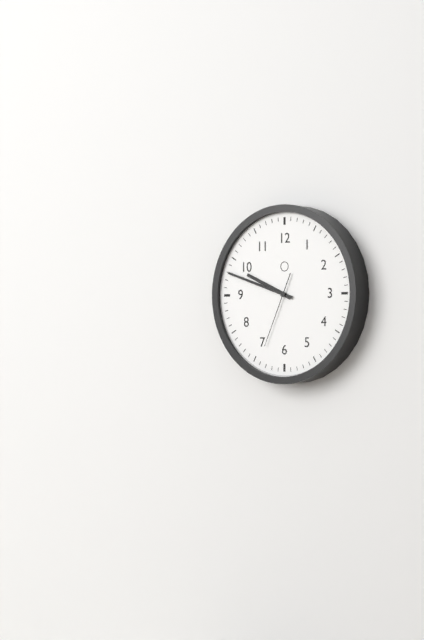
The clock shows h=9 m=48 s=34
